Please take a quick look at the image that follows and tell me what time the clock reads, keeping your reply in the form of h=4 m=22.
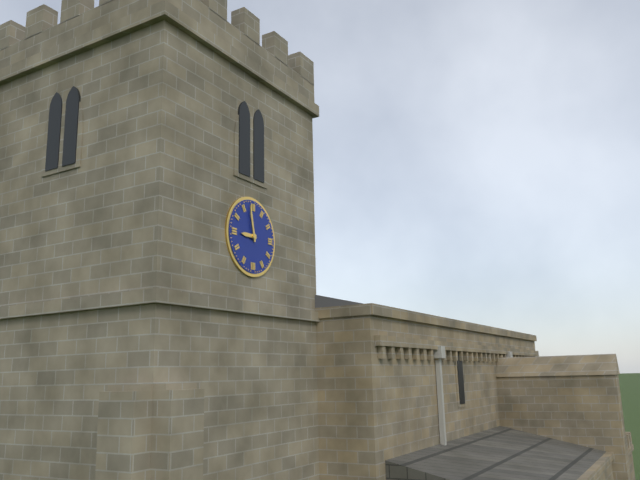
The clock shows h=8 m=58
